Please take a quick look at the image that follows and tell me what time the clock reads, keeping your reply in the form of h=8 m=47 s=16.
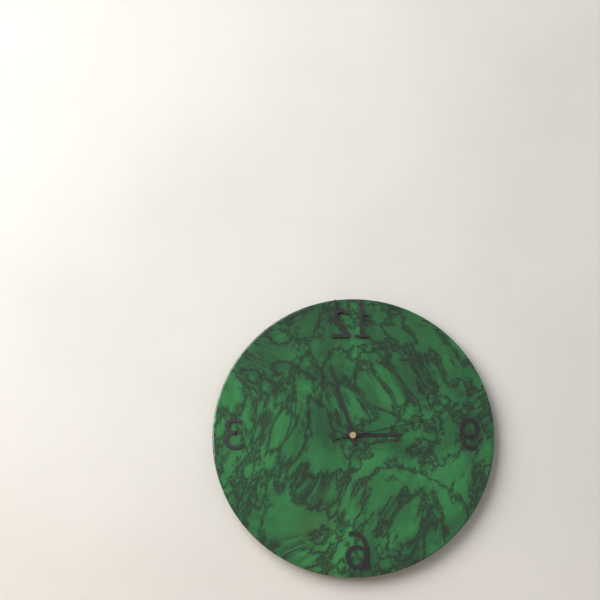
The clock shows h=2 m=57 s=13
